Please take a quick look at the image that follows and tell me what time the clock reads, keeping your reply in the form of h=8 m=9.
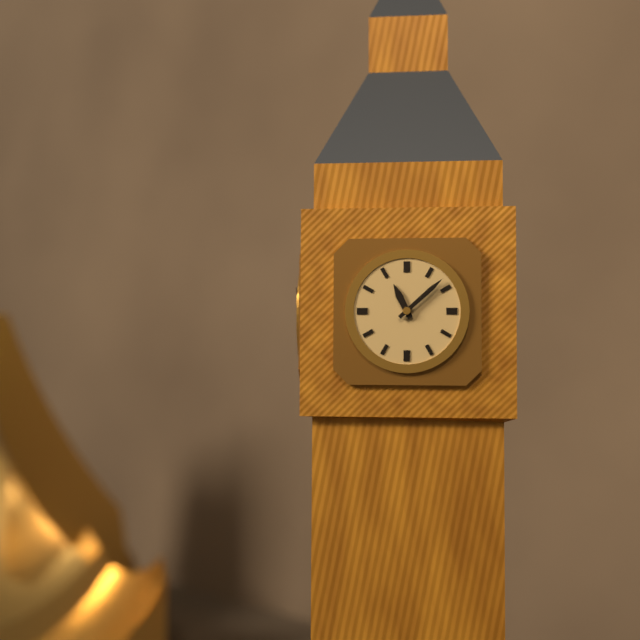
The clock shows h=11 m=8
